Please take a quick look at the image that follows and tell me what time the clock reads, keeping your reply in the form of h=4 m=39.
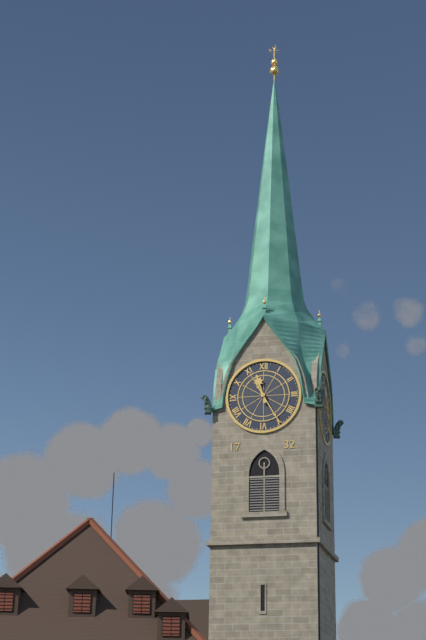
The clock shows h=11 m=25
